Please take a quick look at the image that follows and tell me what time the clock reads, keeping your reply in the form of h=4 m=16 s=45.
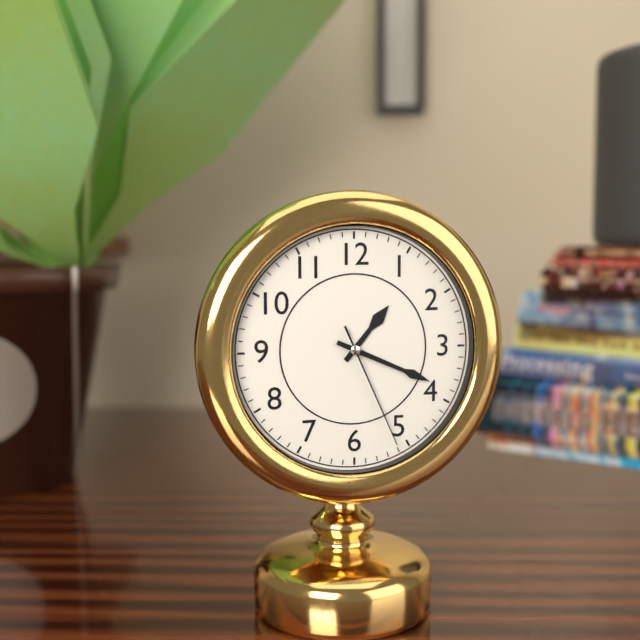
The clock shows h=1 m=19 s=26
